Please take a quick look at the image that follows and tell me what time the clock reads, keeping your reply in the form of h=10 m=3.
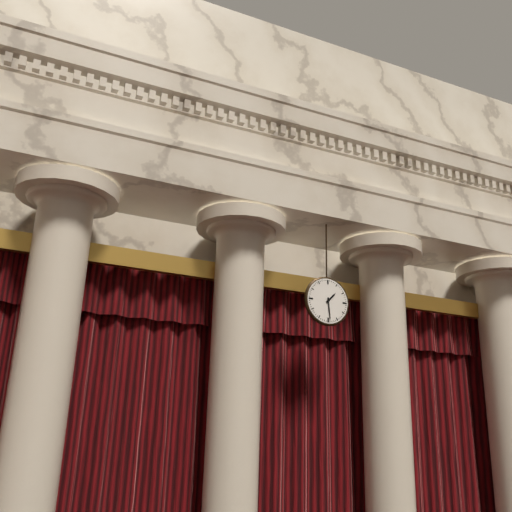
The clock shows h=1 m=29
